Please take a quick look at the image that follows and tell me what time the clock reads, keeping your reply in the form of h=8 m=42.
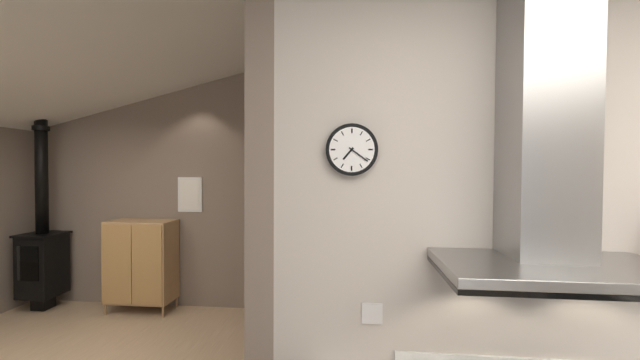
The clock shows h=7 m=21
